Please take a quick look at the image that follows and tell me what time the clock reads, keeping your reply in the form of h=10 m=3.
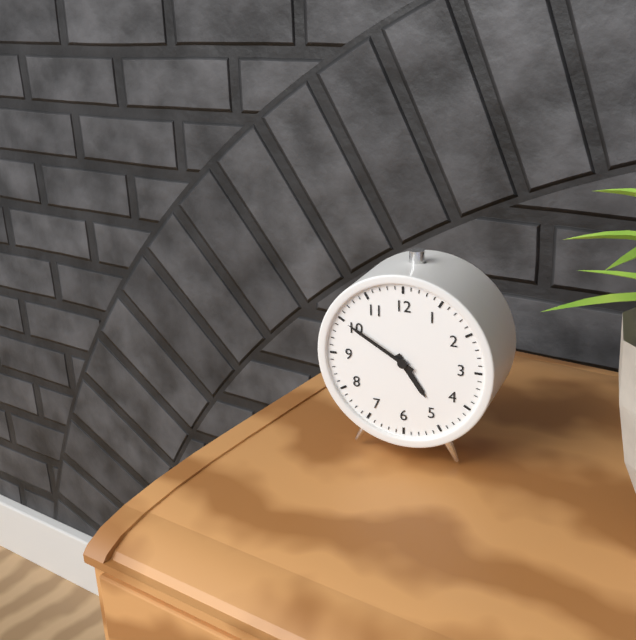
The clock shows h=4 m=50
